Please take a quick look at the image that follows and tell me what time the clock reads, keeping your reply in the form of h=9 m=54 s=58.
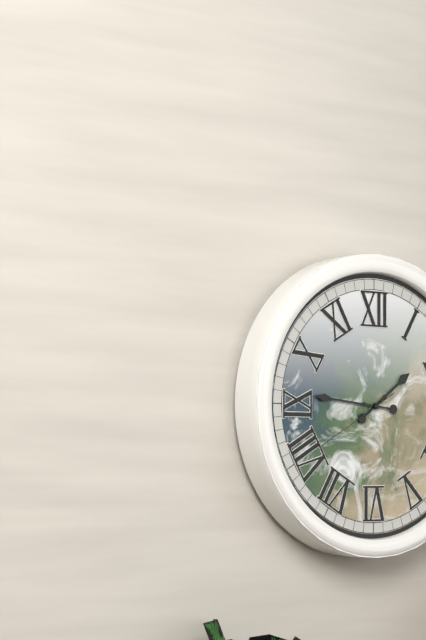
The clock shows h=1 m=46 s=40
